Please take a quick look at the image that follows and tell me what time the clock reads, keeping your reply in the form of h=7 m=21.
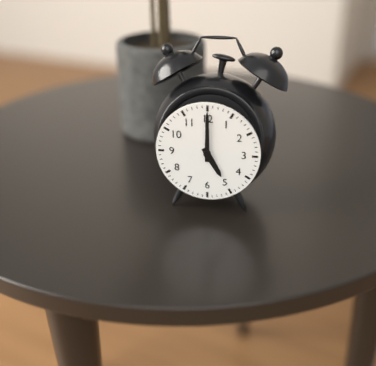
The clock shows h=5 m=0
